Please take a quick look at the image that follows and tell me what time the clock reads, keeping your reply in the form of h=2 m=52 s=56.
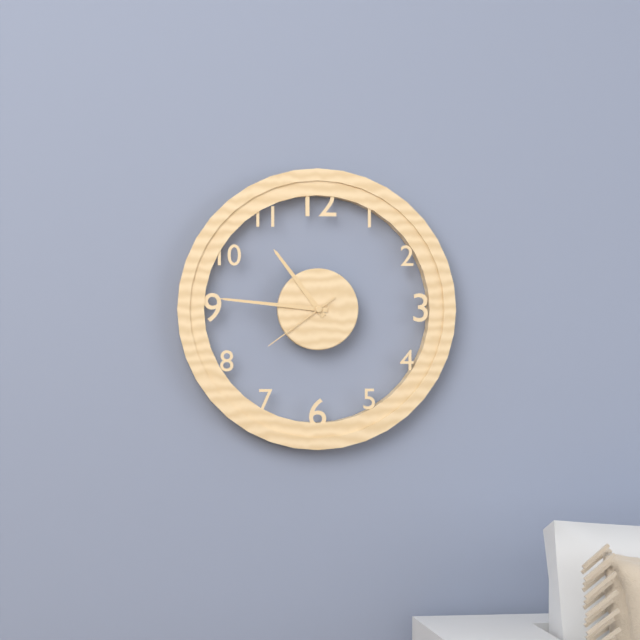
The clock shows h=10 m=46 s=39
